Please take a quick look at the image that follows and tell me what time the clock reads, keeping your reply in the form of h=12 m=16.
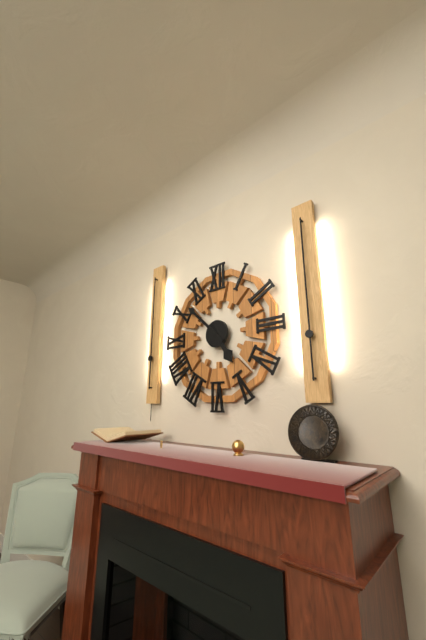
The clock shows h=4 m=52
